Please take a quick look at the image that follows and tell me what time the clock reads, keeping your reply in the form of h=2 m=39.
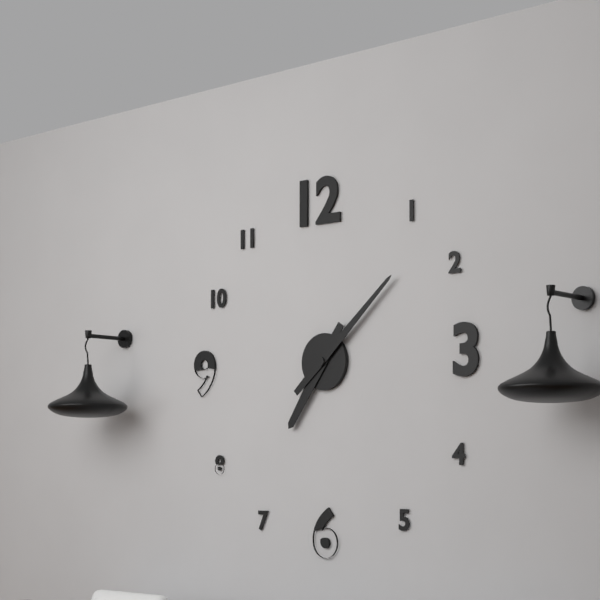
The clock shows h=7 m=8
